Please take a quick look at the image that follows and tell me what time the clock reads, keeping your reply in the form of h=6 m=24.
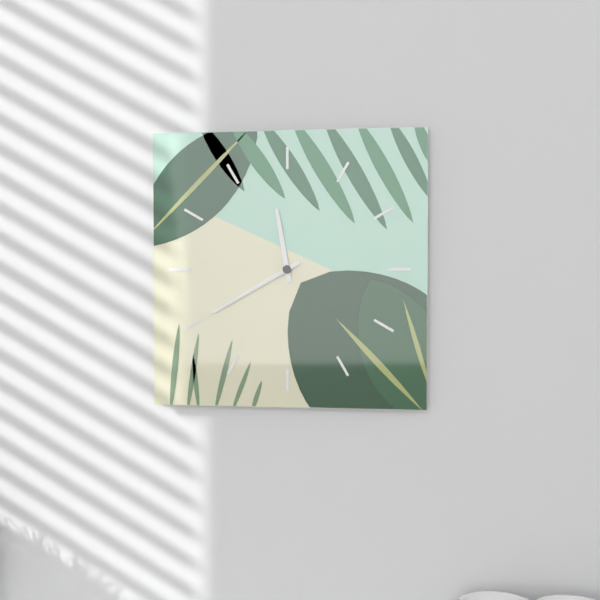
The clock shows h=11 m=40
